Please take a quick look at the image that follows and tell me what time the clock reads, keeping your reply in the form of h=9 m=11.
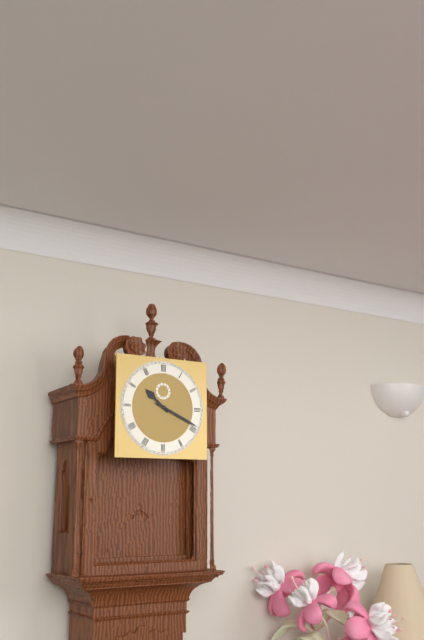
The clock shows h=10 m=19
